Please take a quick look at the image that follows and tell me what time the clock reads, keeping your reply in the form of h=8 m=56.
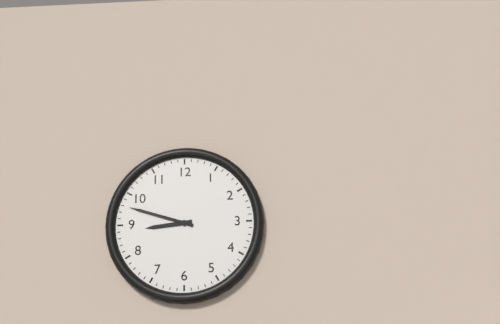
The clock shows h=8 m=48
